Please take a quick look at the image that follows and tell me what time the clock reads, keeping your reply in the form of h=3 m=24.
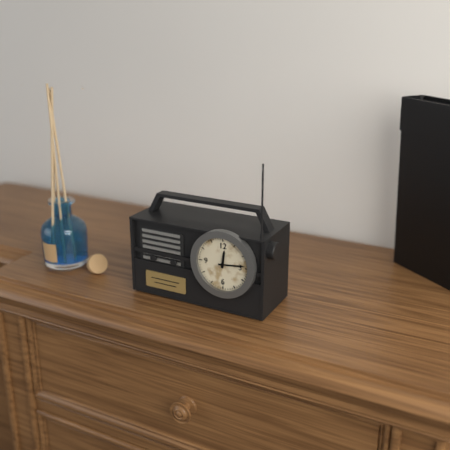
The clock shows h=12 m=14
